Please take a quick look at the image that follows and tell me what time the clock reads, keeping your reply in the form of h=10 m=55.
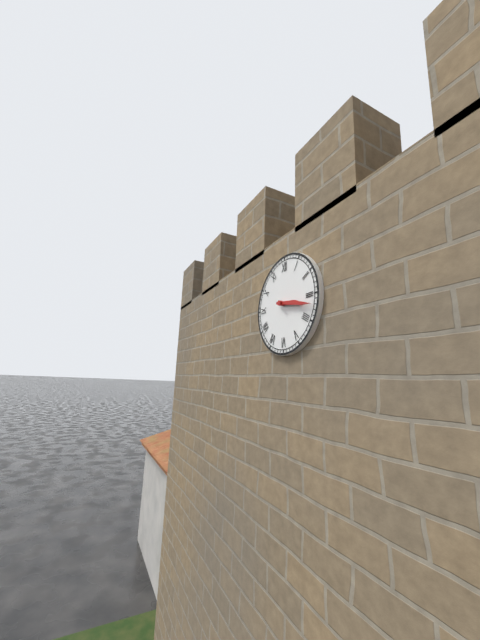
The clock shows h=3 m=17
